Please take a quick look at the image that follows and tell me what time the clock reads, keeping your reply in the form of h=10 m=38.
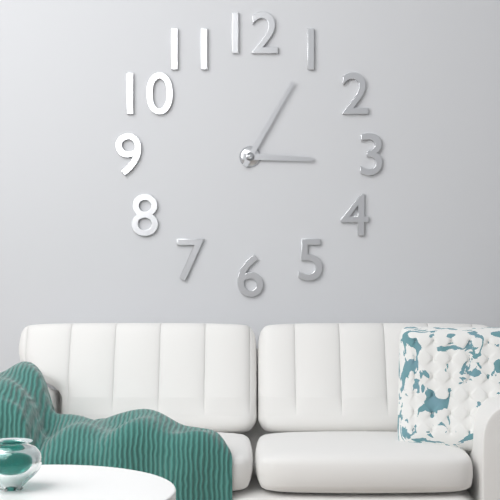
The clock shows h=3 m=5
